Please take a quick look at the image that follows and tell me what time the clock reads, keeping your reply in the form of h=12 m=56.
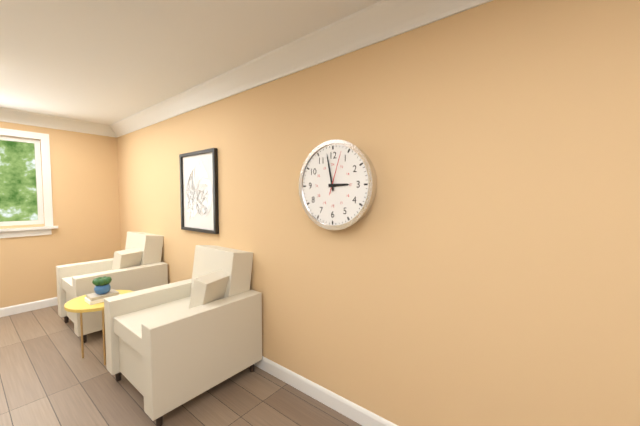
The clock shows h=2 m=58
